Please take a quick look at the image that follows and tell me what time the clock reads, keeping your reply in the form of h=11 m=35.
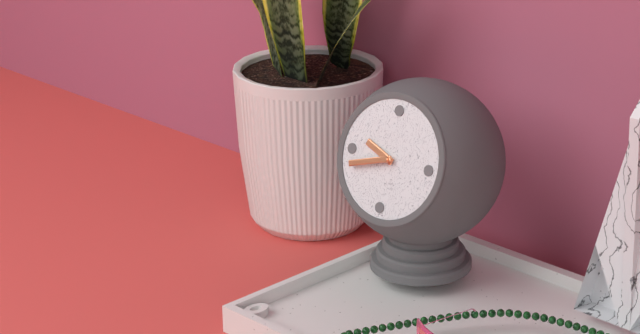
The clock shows h=9 m=42
